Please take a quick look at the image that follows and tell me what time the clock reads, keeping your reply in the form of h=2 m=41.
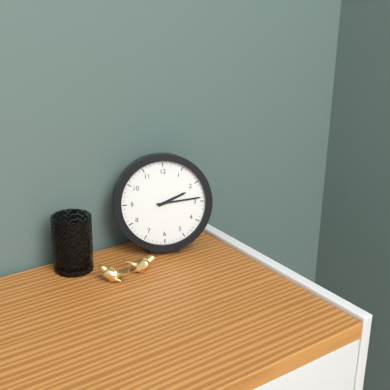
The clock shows h=2 m=14
